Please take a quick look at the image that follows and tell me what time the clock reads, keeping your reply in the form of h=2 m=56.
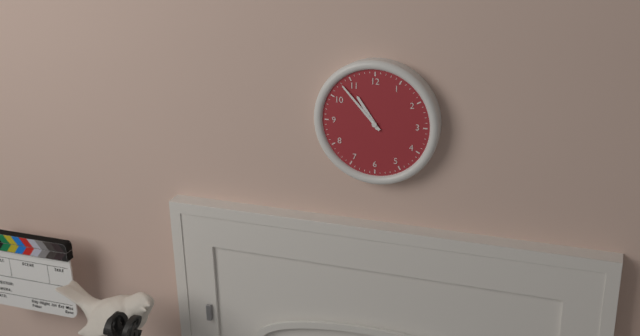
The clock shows h=10 m=53
